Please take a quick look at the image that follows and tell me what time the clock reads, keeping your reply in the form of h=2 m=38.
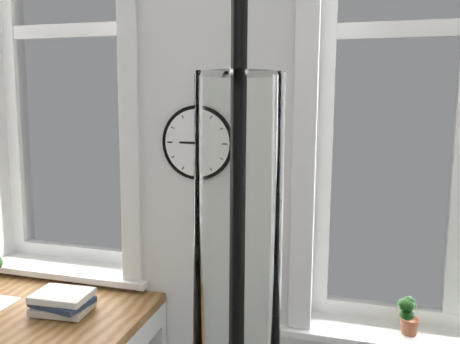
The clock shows h=9 m=1
